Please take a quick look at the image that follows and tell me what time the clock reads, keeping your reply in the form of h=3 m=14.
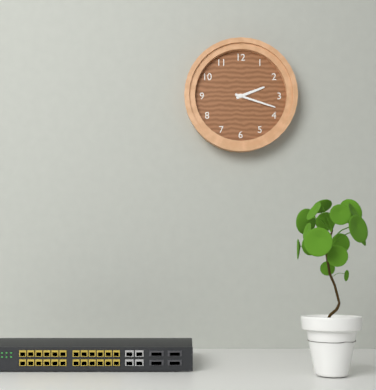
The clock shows h=2 m=18
